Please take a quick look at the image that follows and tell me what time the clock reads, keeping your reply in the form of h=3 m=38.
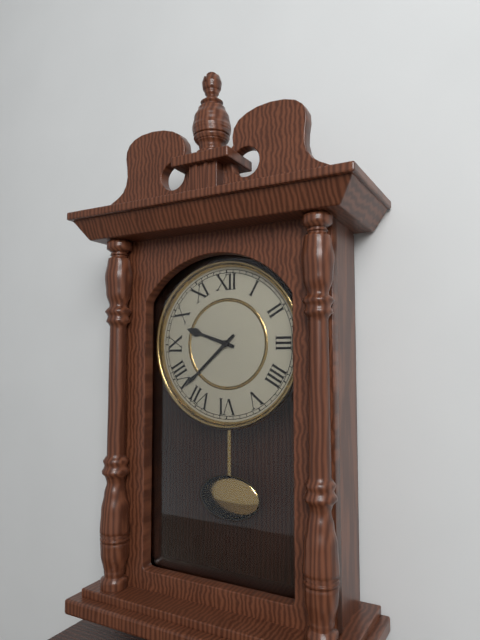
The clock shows h=9 m=38
